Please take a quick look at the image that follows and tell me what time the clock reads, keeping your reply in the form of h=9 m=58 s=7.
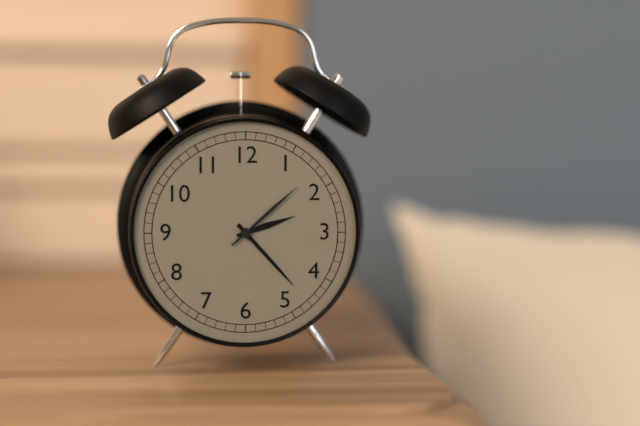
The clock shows h=2 m=23 s=8
